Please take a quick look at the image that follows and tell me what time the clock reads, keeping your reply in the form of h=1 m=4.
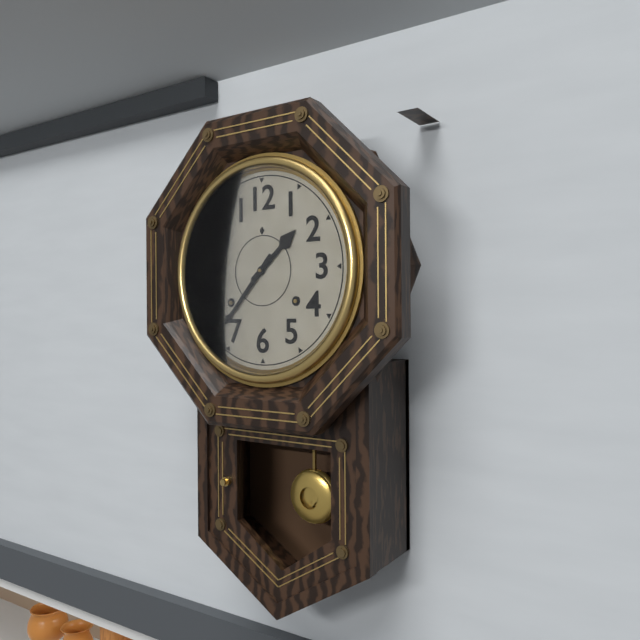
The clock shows h=1 m=37
